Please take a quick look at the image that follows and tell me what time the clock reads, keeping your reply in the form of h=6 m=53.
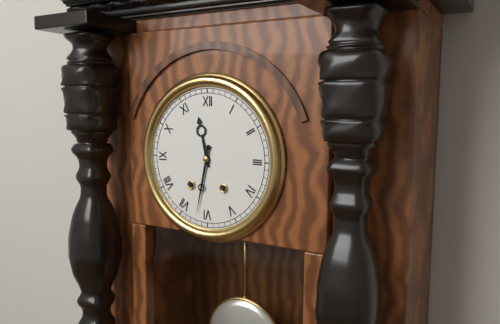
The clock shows h=11 m=32
